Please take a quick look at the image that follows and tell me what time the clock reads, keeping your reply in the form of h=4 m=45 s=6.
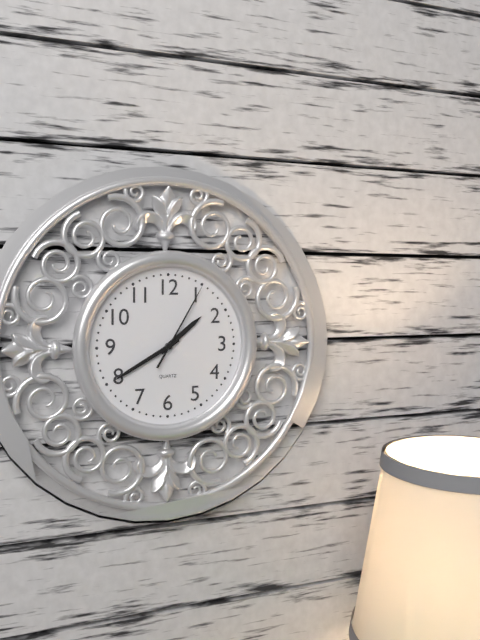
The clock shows h=1 m=40 s=5
